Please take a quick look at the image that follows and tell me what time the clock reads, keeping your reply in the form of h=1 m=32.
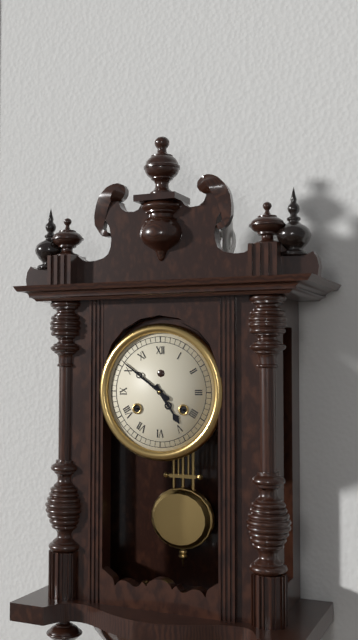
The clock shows h=4 m=51
